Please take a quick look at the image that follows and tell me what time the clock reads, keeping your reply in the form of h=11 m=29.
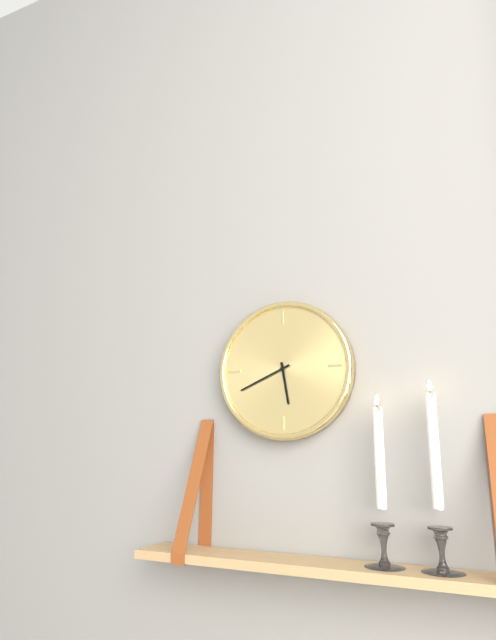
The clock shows h=5 m=41
